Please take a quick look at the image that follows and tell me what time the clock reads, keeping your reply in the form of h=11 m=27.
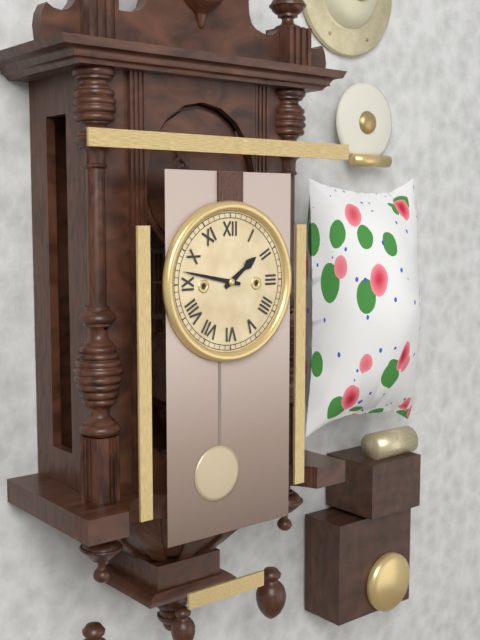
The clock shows h=1 m=47
